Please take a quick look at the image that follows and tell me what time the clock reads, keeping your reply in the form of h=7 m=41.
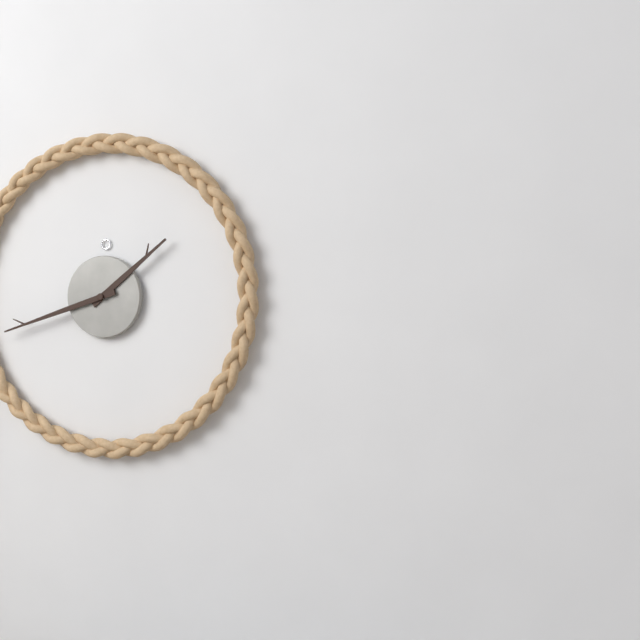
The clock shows h=1 m=42
